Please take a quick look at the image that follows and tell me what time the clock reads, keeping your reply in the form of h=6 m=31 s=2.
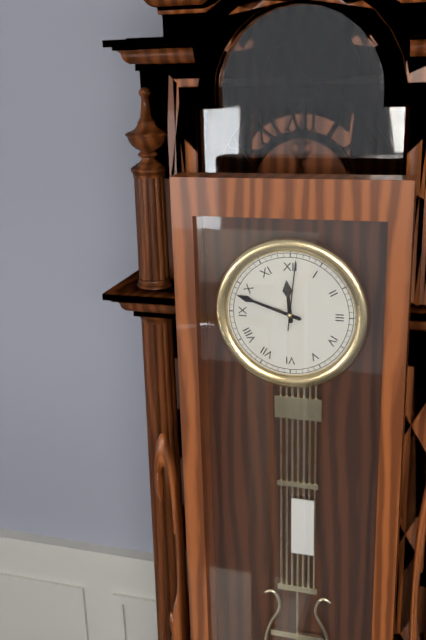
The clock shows h=11 m=48 s=1
